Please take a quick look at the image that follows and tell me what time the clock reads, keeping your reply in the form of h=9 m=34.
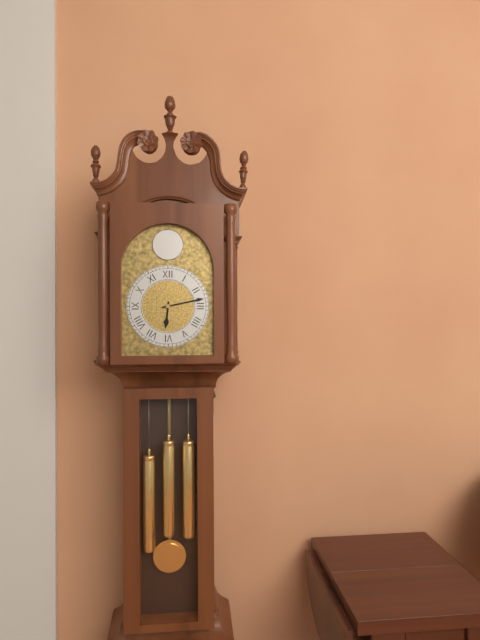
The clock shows h=6 m=13
